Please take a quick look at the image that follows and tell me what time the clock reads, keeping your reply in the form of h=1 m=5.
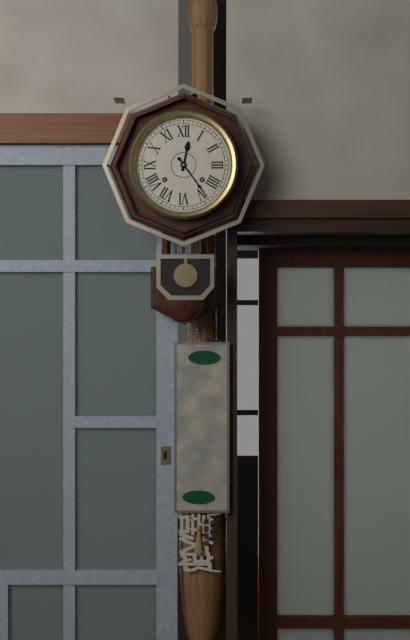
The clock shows h=12 m=24
